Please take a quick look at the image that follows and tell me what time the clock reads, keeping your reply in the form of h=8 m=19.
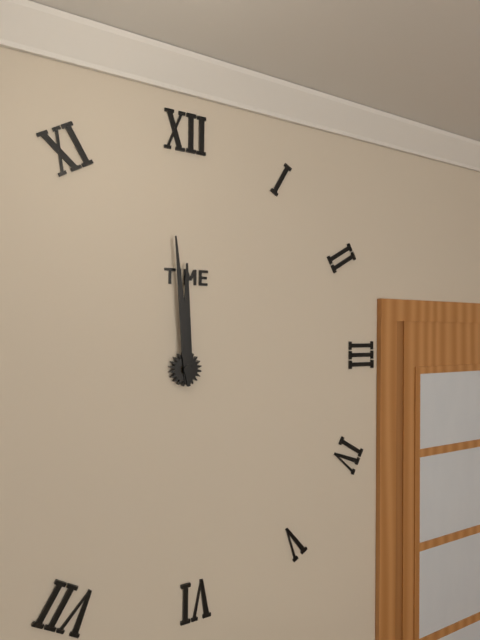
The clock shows h=11 m=59
